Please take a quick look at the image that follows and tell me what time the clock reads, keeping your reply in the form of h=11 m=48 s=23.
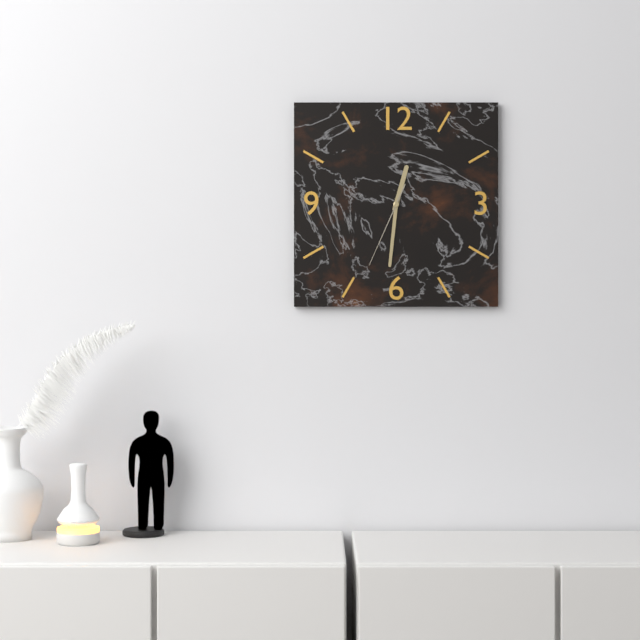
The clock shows h=12 m=31 s=34
